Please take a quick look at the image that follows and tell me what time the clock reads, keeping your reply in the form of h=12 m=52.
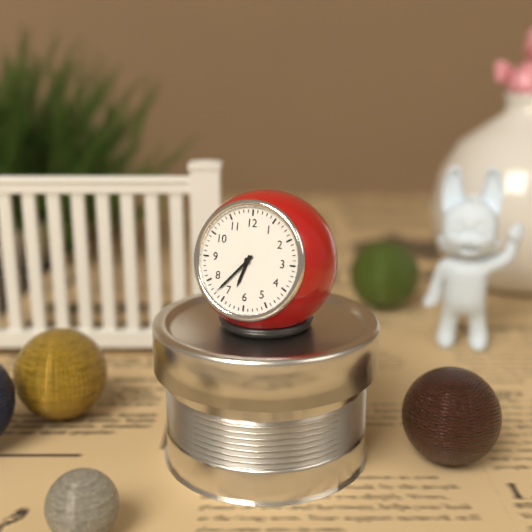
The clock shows h=6 m=37
